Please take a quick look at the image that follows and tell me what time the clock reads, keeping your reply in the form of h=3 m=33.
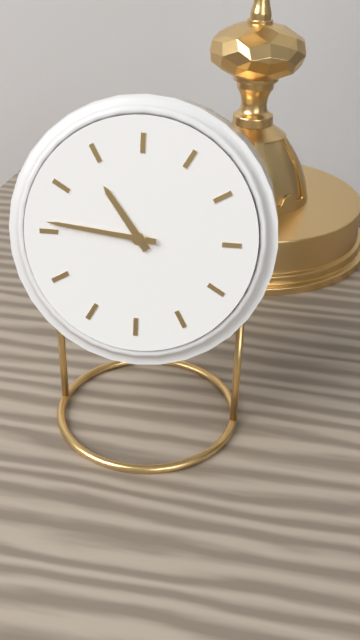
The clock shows h=10 m=46
